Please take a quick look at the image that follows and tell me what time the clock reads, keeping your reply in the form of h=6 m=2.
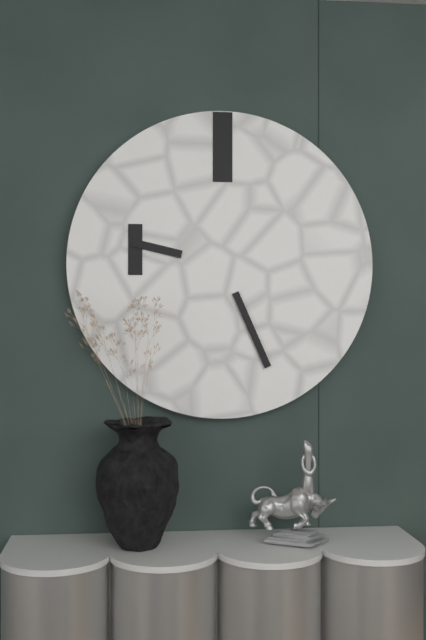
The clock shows h=9 m=26
